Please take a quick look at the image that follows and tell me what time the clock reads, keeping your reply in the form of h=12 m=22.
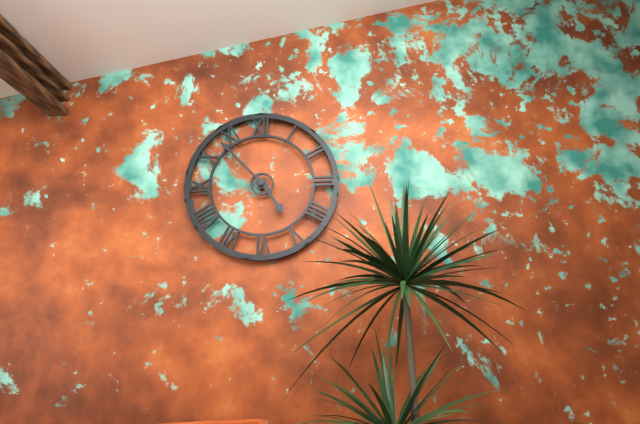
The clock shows h=4 m=53
